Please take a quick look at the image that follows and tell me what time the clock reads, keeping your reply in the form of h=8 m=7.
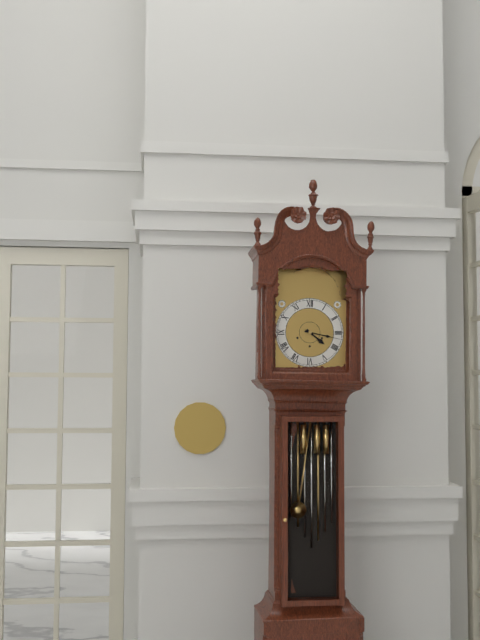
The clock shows h=4 m=17
